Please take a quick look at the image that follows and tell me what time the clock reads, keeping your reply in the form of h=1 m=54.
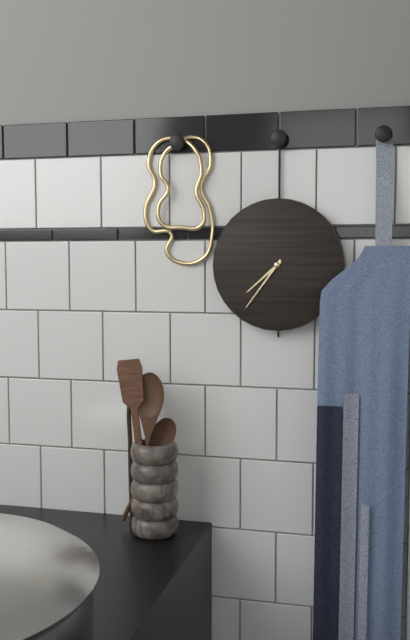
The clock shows h=7 m=36
